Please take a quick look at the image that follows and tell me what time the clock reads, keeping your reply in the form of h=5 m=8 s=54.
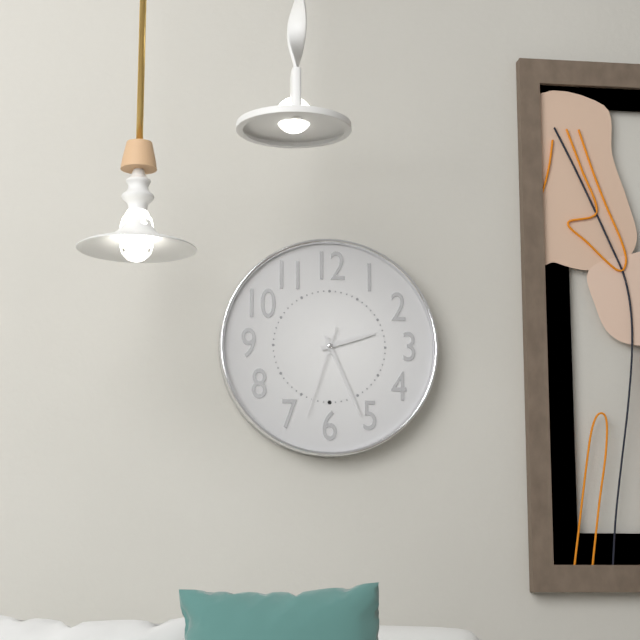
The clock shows h=2 m=26 s=33
